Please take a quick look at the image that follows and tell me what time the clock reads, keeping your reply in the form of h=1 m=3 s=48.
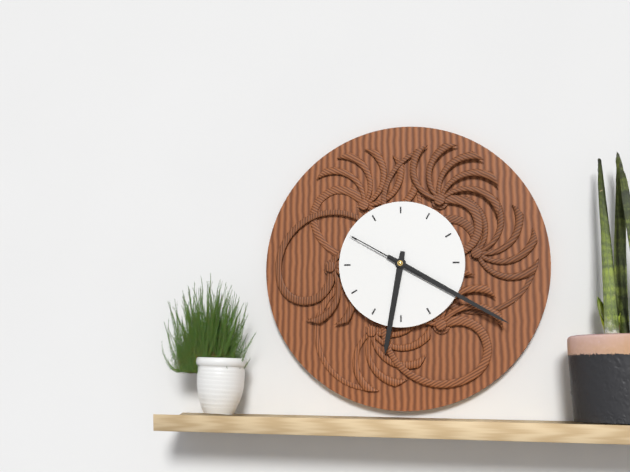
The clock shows h=6 m=20 s=50
